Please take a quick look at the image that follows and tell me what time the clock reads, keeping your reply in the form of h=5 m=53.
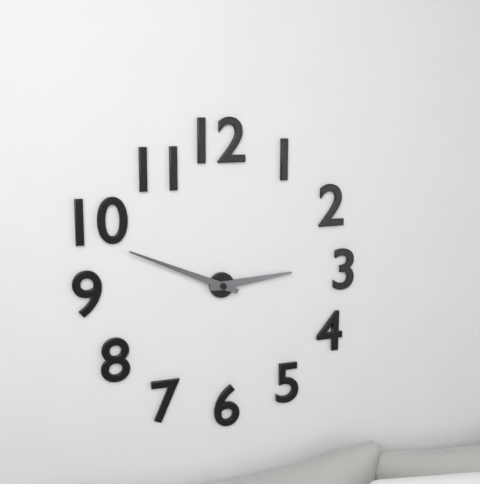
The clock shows h=2 m=49
